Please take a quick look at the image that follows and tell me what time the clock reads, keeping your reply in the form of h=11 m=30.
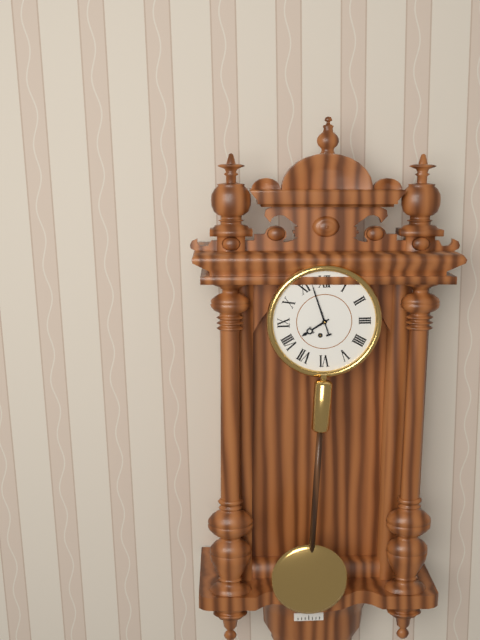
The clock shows h=7 m=57
